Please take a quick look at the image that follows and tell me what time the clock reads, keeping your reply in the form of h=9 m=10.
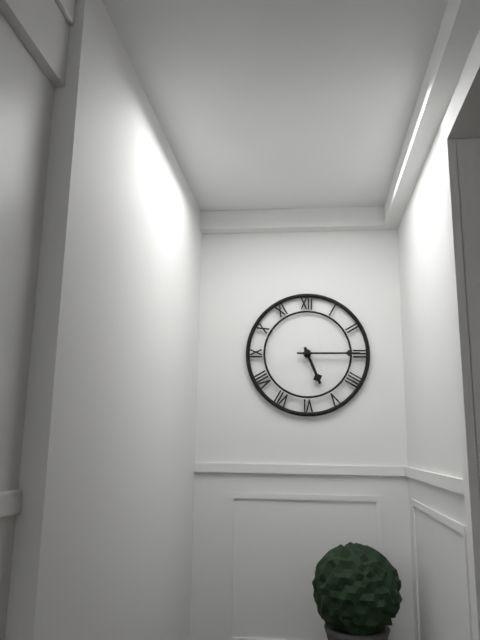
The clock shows h=5 m=15
